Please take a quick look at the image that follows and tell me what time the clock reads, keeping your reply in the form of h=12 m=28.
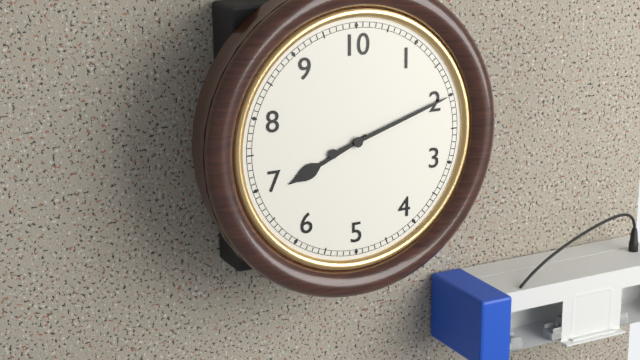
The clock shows h=8 m=12
